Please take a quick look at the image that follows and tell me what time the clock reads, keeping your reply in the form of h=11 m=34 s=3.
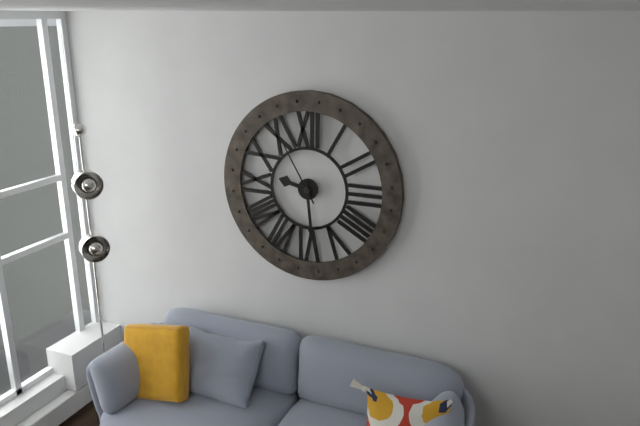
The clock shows h=9 m=29 s=55
